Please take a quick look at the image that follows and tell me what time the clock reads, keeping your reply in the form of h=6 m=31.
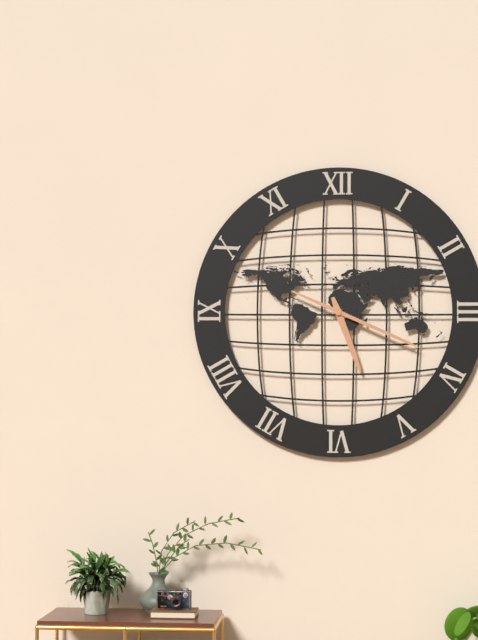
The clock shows h=5 m=19
